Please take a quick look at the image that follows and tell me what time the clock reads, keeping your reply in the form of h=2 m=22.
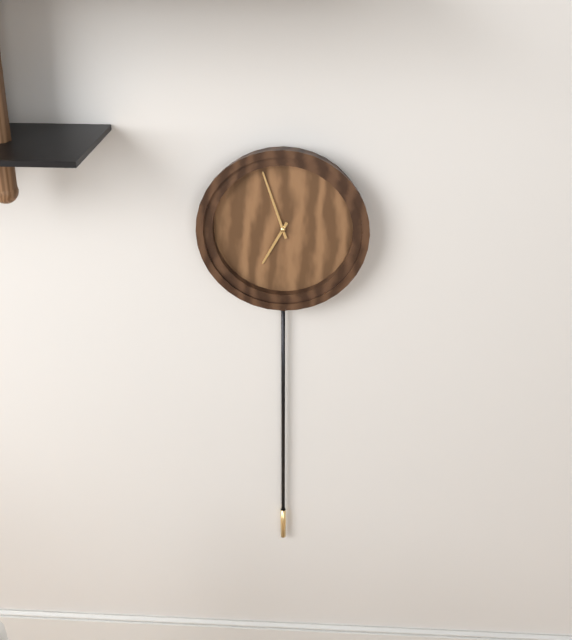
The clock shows h=6 m=57
